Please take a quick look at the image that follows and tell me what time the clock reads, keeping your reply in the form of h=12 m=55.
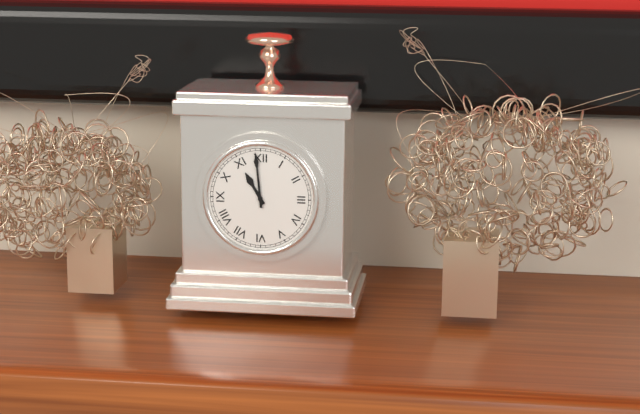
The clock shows h=10 m=59
